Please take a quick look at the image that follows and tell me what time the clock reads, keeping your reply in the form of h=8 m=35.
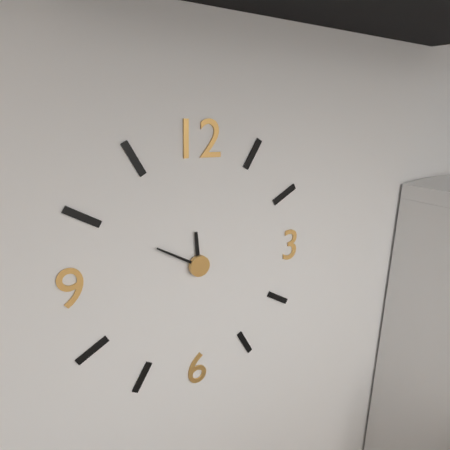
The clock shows h=11 m=50
